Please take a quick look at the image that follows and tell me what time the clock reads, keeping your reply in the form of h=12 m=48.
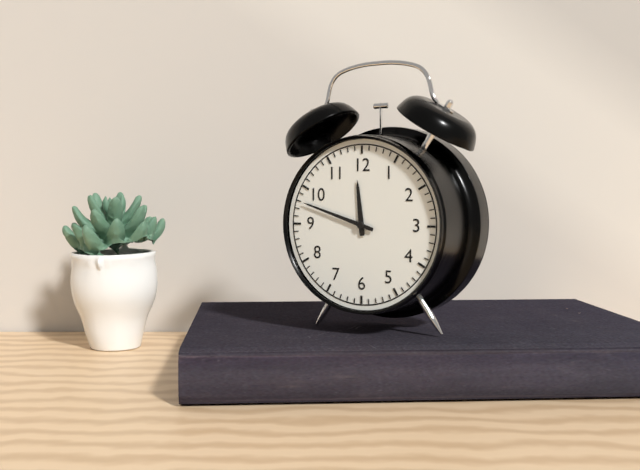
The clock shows h=11 m=48
